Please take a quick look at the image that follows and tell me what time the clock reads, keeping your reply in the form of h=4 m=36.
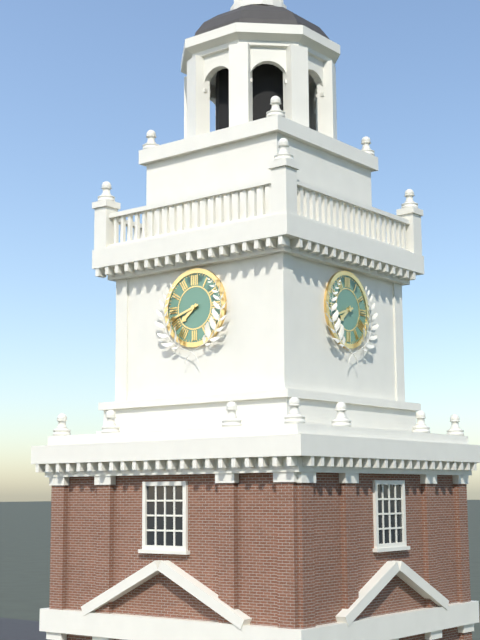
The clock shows h=7 m=42
